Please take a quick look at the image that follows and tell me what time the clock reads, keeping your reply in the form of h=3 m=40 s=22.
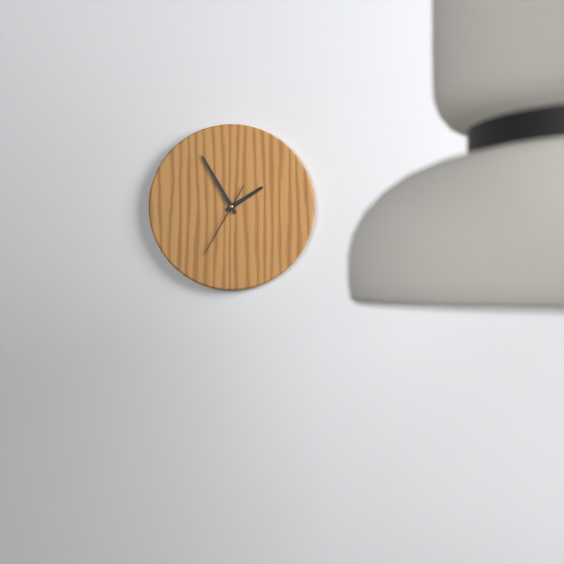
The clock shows h=1 m=55 s=35
